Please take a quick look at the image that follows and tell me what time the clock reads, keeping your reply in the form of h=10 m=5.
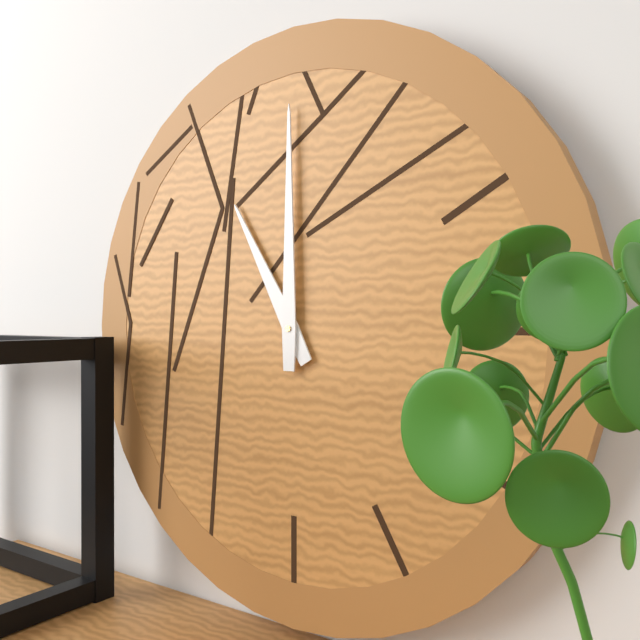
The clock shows h=11 m=0
